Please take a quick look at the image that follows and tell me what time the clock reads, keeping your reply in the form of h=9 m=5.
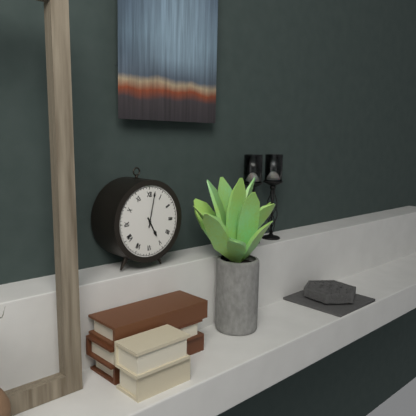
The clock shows h=5 m=2
